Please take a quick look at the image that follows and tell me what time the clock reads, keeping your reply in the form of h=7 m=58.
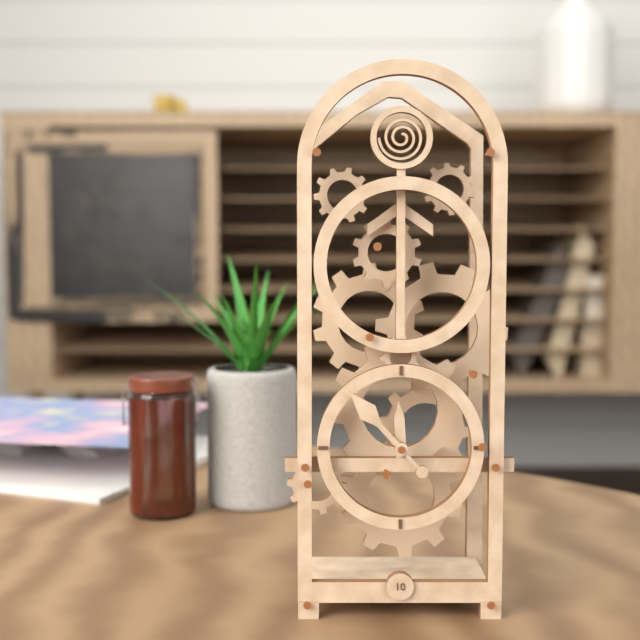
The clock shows h=11 m=53
